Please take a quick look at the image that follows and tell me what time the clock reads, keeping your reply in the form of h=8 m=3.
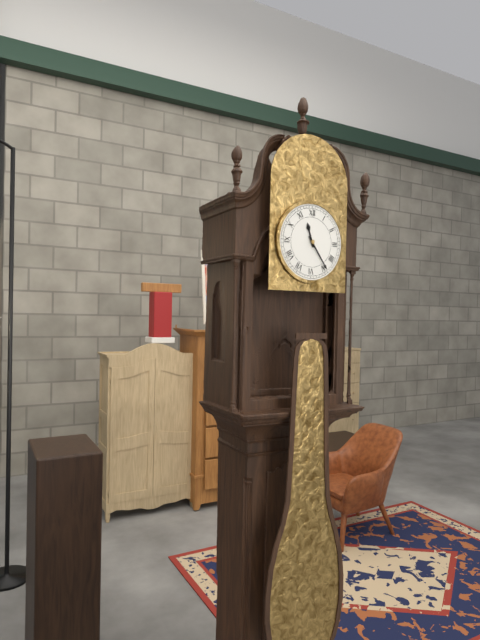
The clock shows h=11 m=24
